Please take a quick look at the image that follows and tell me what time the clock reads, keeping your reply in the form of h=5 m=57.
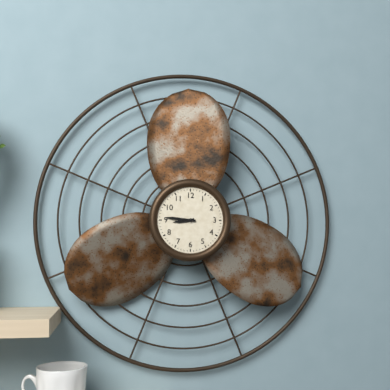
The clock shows h=8 m=46
